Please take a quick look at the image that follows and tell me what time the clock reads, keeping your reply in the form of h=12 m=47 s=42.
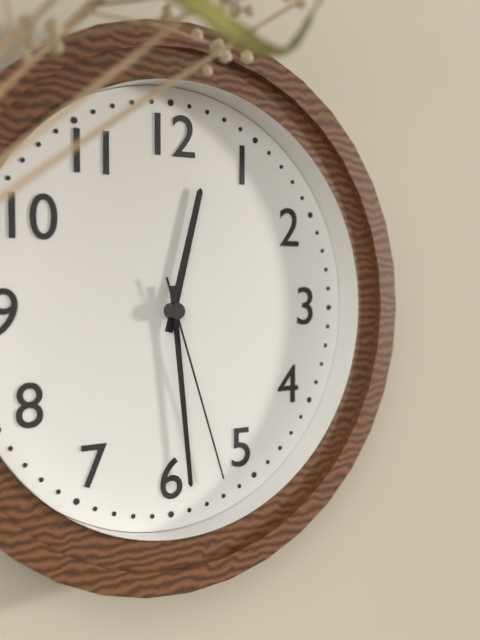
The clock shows h=12 m=29 s=27
